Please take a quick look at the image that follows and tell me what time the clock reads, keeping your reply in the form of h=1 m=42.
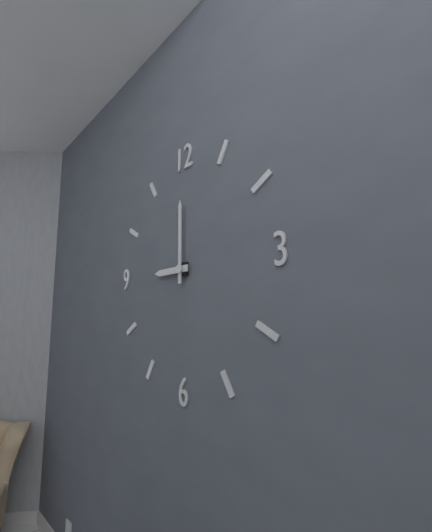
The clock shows h=9 m=0
